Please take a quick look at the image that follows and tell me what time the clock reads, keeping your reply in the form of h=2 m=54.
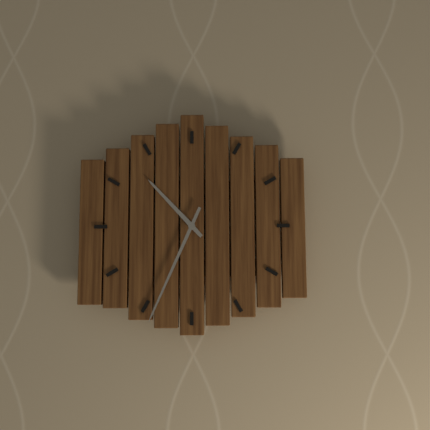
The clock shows h=10 m=34
